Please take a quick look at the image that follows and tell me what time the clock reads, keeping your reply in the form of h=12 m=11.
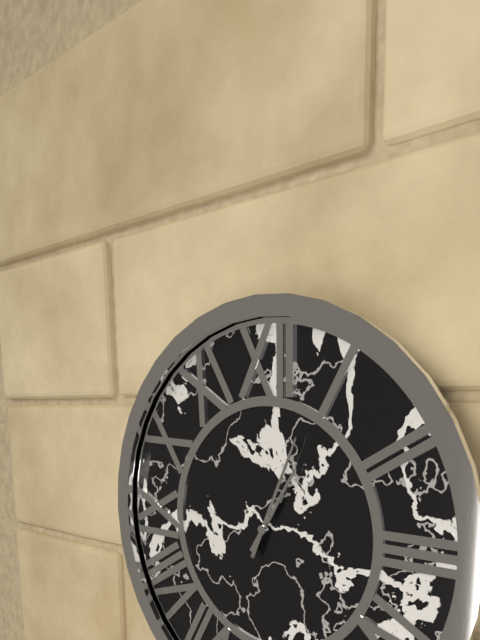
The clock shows h=1 m=4
